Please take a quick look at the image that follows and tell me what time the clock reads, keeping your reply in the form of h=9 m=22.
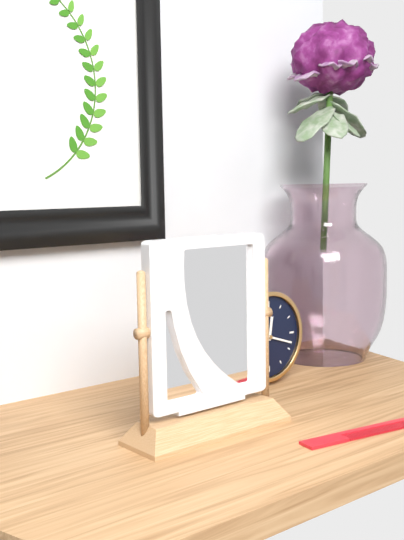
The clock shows h=12 m=18
